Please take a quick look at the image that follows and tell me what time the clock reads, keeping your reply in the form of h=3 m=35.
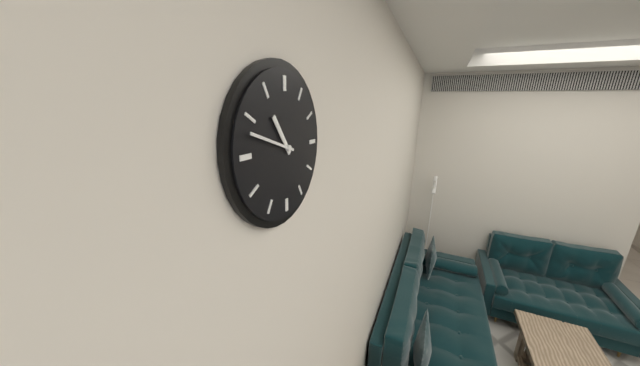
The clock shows h=10 m=48
